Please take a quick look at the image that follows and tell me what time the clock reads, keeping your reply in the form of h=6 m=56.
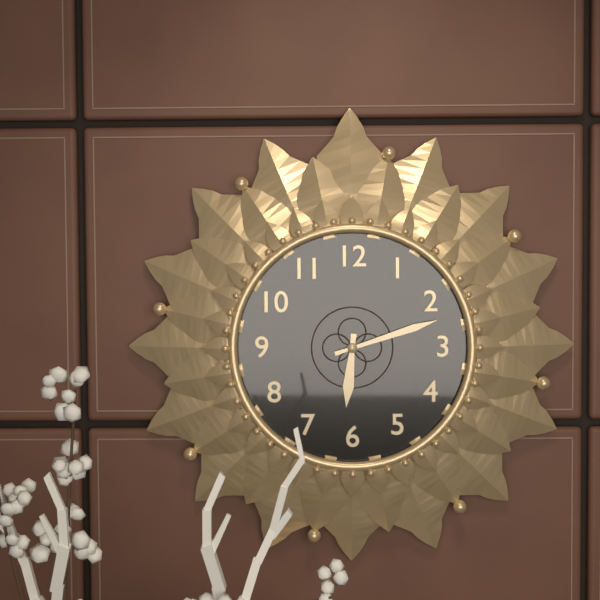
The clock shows h=6 m=12
